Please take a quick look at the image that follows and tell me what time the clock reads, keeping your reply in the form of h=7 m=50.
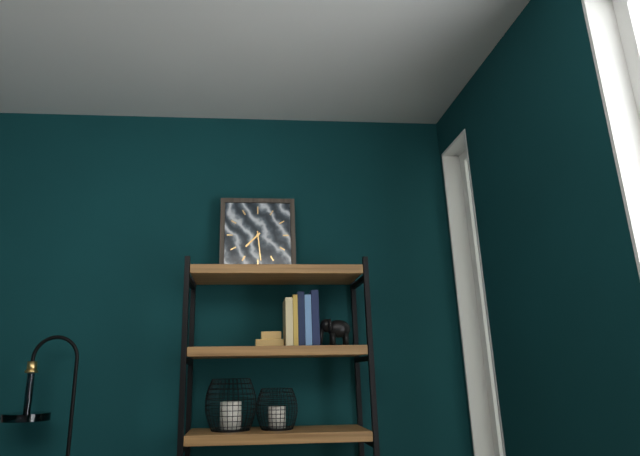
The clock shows h=7 m=29
